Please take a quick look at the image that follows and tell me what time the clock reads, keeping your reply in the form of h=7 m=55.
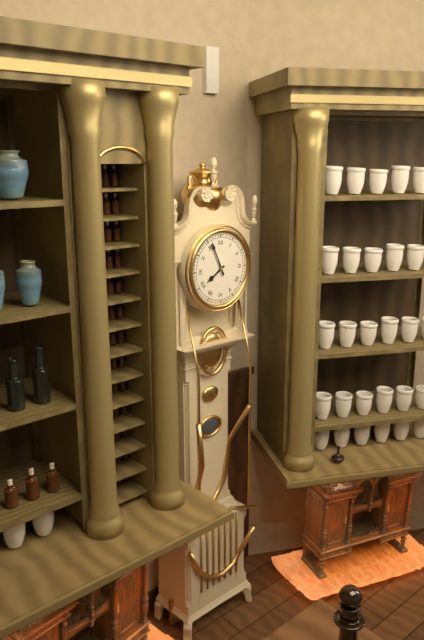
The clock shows h=7 m=56
